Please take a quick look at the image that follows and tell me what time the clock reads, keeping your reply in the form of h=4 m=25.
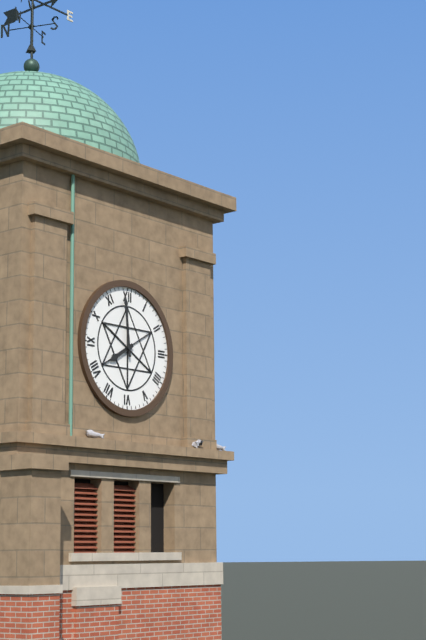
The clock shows h=7 m=59
